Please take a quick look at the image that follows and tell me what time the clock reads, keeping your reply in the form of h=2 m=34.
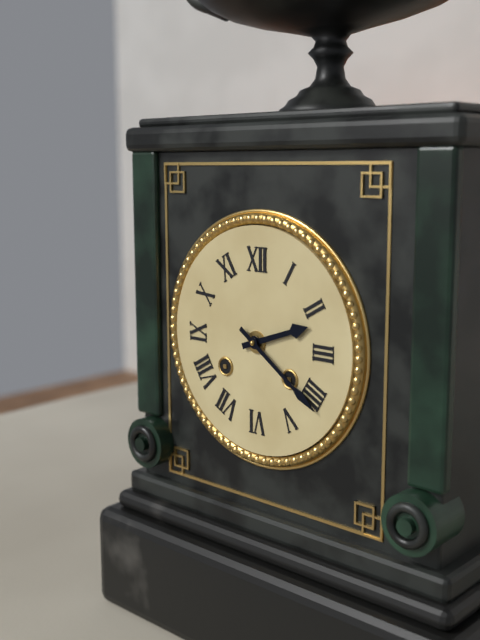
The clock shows h=2 m=21
